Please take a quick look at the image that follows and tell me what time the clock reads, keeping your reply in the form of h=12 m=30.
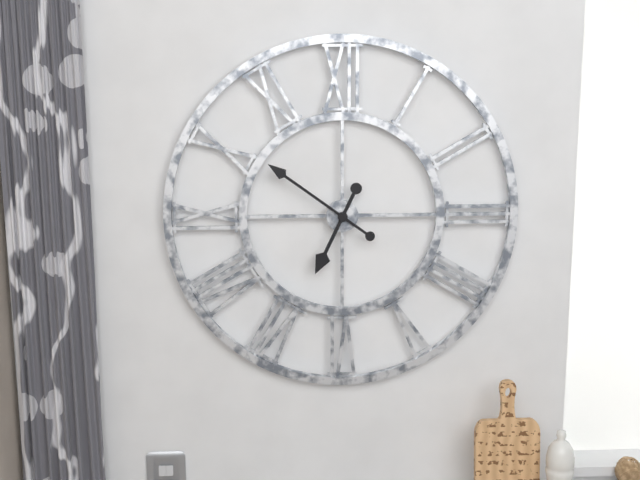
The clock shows h=6 m=51
